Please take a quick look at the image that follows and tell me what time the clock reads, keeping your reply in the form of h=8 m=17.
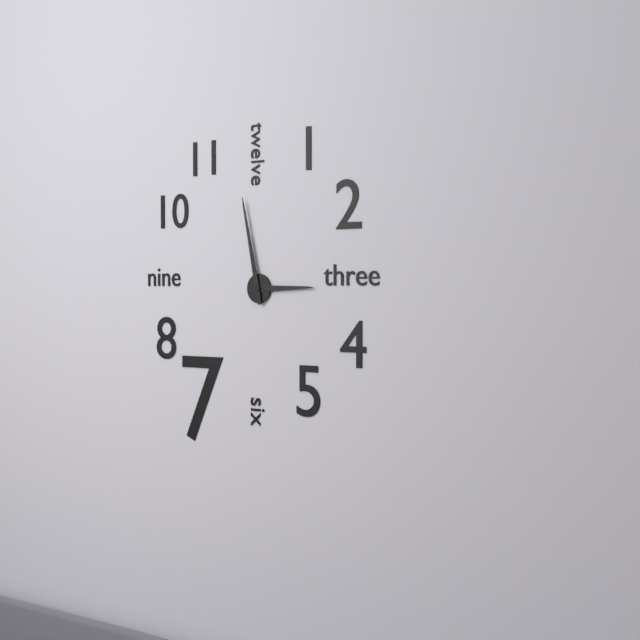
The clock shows h=2 m=58
